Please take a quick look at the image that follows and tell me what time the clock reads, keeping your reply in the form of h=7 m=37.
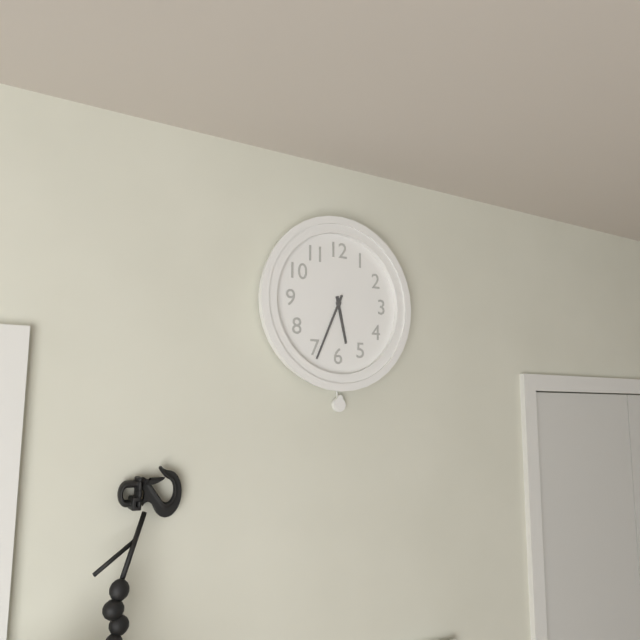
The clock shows h=5 m=34
